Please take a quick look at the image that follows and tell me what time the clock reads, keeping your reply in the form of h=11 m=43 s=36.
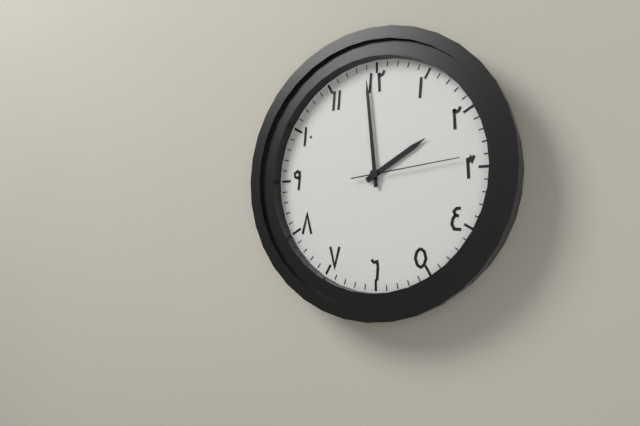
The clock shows h=1 m=59 s=14
